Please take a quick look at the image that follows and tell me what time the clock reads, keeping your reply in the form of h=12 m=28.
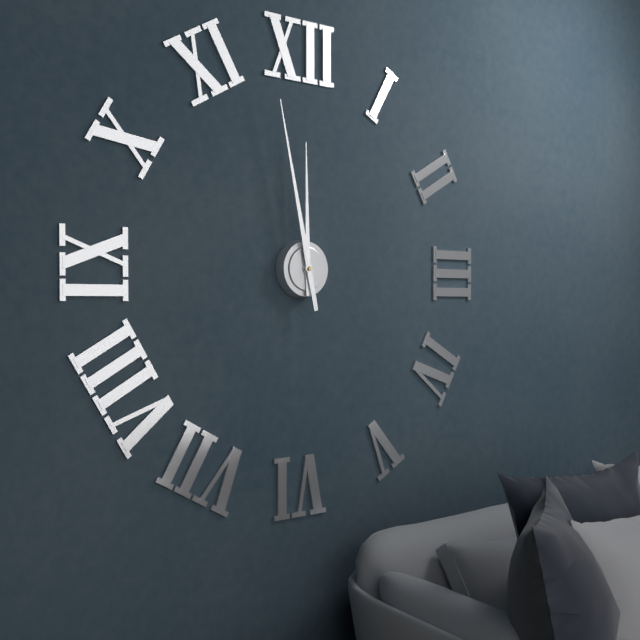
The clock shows h=11 m=58
